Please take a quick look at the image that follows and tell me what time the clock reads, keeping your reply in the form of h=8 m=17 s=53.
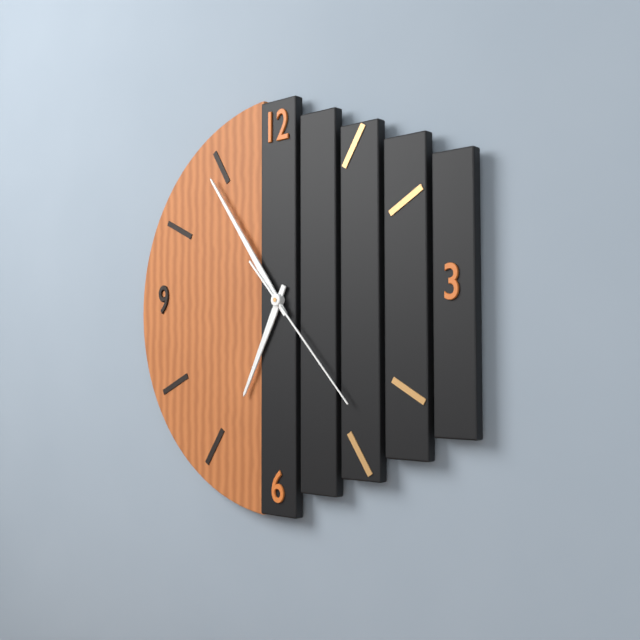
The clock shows h=6 m=54 s=23
